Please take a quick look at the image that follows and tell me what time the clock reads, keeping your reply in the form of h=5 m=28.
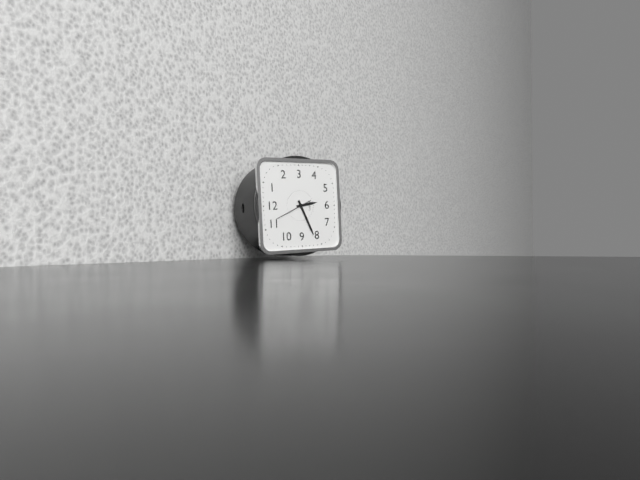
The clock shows h=5 m=41
